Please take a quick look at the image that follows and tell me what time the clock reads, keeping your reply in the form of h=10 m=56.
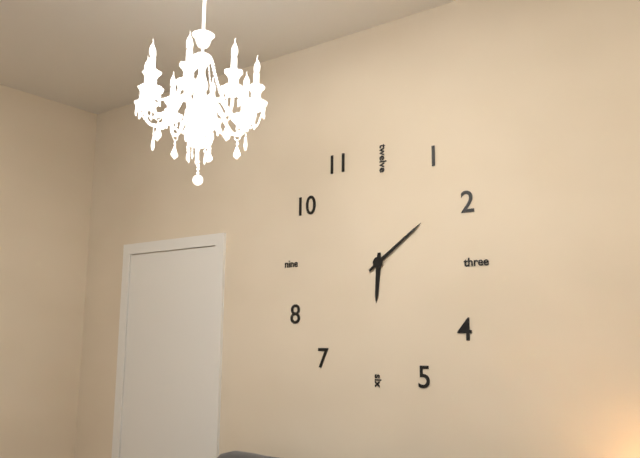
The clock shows h=6 m=9
